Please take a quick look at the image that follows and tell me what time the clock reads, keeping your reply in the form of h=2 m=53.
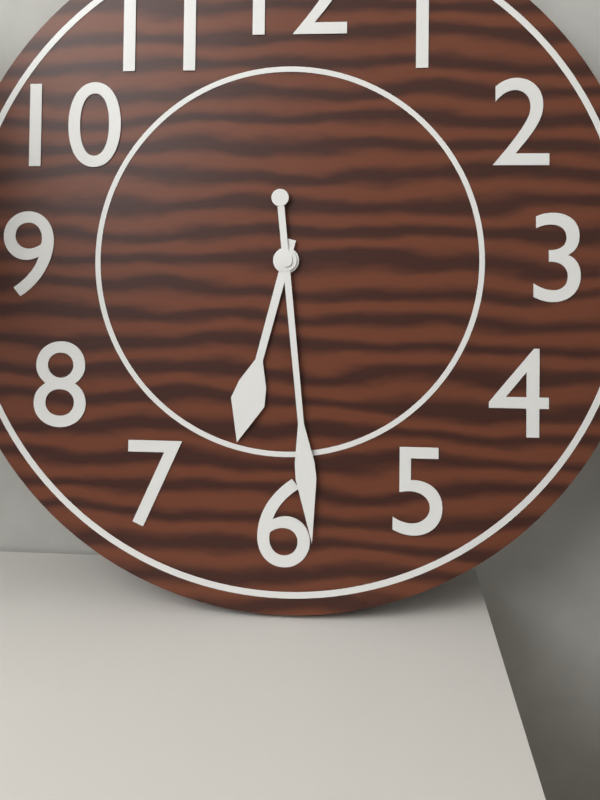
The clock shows h=6 m=29
